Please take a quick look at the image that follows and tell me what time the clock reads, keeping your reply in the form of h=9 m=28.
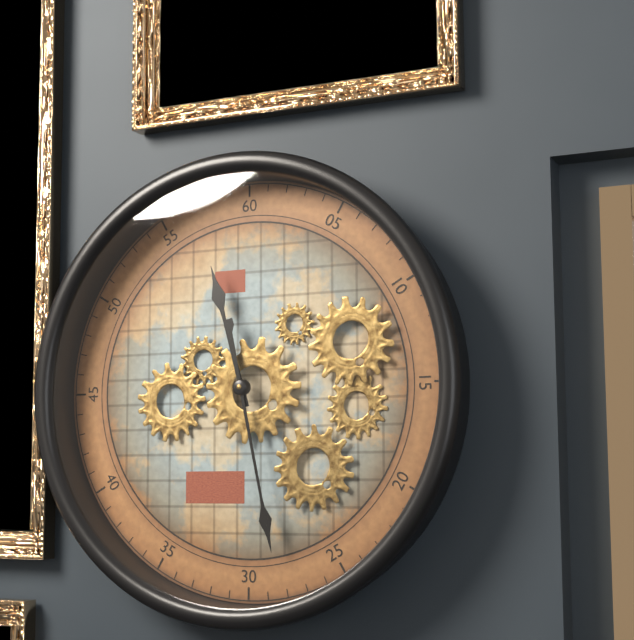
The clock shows h=11 m=28
